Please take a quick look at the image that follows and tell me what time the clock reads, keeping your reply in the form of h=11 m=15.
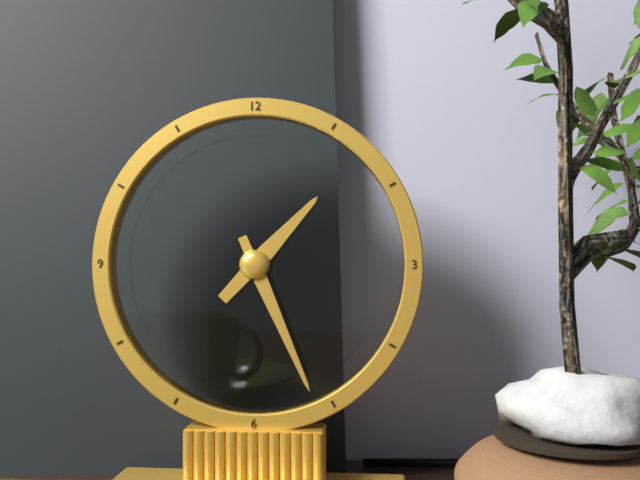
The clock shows h=1 m=26
